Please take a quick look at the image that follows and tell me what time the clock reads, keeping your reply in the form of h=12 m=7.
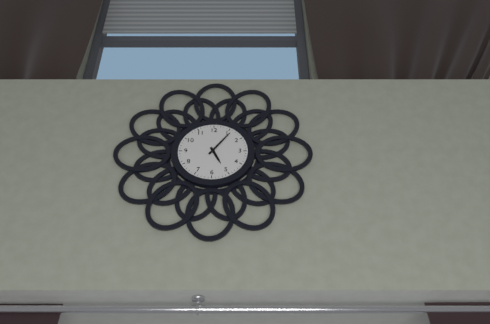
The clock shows h=5 m=6
